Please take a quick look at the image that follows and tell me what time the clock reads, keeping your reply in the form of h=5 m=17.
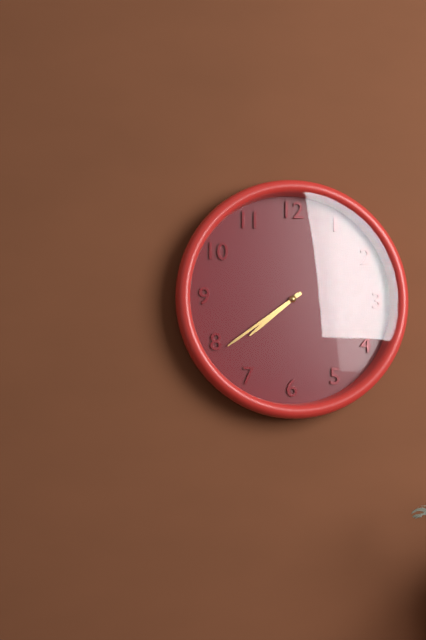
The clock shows h=7 m=39
